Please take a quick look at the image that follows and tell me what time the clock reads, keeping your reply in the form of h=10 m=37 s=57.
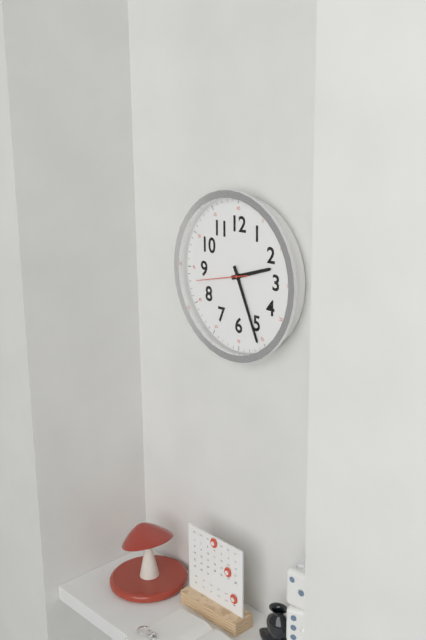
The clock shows h=2 m=26 s=43
